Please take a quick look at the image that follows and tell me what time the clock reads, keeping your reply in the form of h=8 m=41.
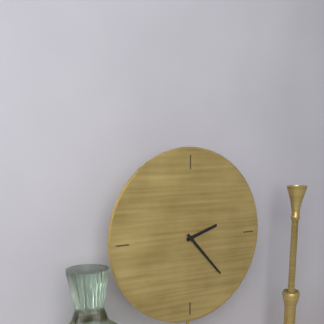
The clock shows h=2 m=23
